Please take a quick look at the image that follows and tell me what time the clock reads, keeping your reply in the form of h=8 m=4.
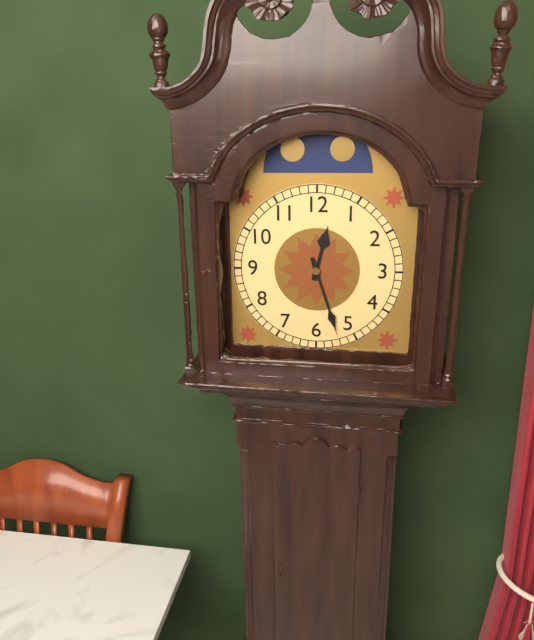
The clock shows h=12 m=27
